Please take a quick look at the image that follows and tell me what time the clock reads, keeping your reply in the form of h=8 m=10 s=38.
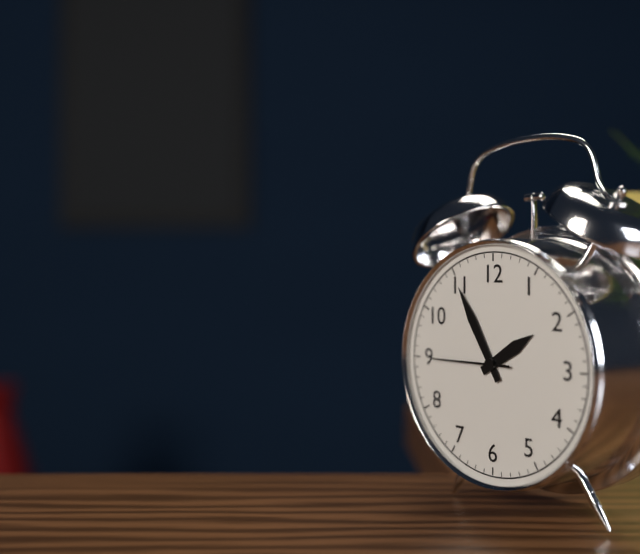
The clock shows h=1 m=55 s=45
